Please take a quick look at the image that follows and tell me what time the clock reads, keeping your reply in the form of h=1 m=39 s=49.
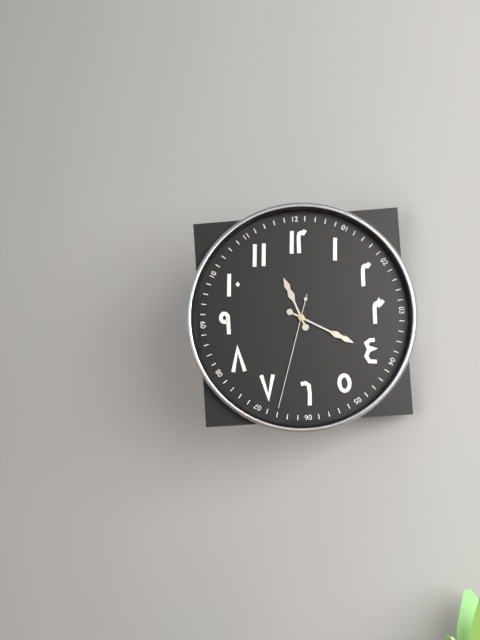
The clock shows h=11 m=20 s=33
